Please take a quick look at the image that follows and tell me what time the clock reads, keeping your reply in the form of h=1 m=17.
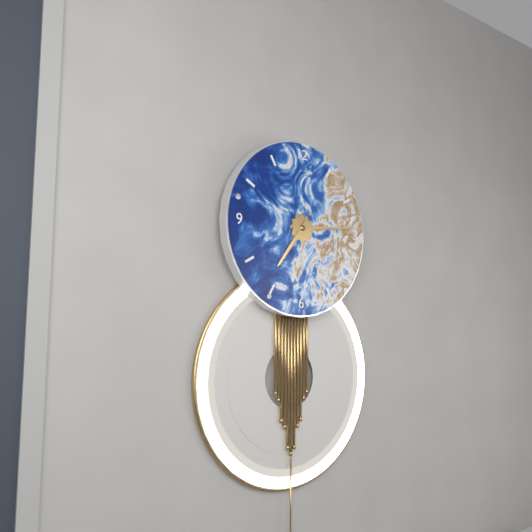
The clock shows h=7 m=14
